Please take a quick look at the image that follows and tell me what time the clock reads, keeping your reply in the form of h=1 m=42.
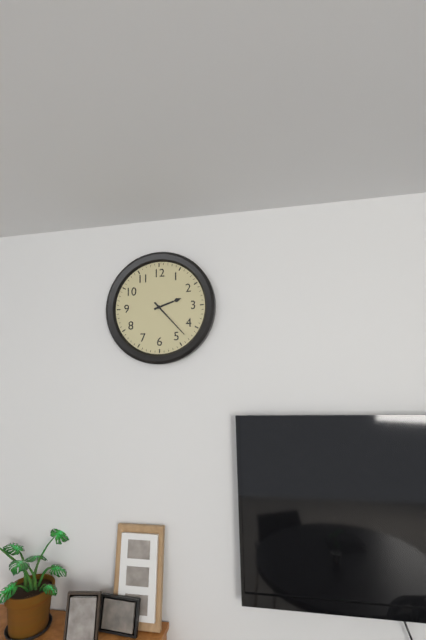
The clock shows h=2 m=23
